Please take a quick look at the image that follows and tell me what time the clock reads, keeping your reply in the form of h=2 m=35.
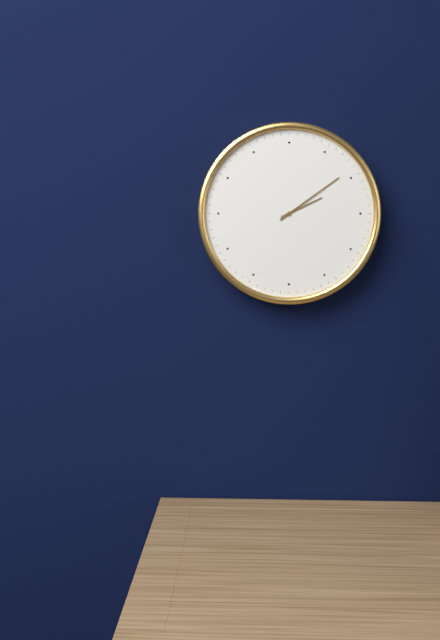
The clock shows h=2 m=9
